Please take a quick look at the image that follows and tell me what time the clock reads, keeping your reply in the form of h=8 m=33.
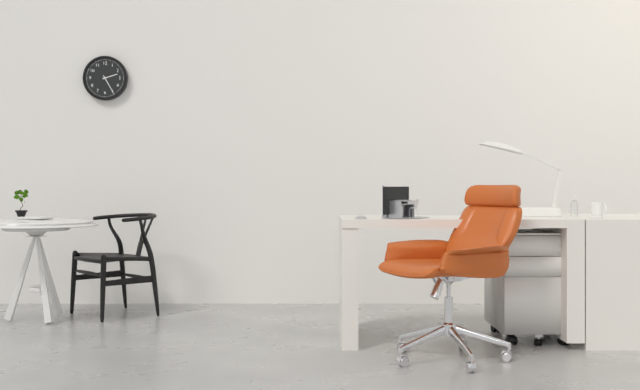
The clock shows h=2 m=25
